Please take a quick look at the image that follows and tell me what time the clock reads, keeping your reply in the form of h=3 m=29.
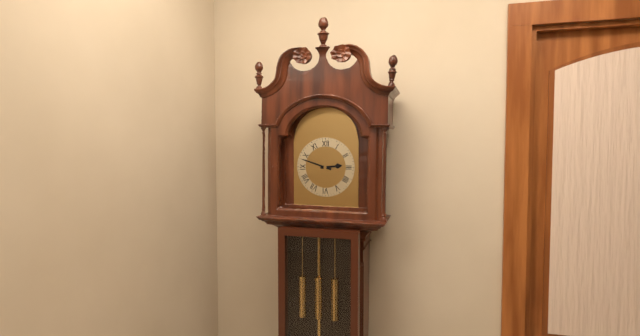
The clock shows h=2 m=48
